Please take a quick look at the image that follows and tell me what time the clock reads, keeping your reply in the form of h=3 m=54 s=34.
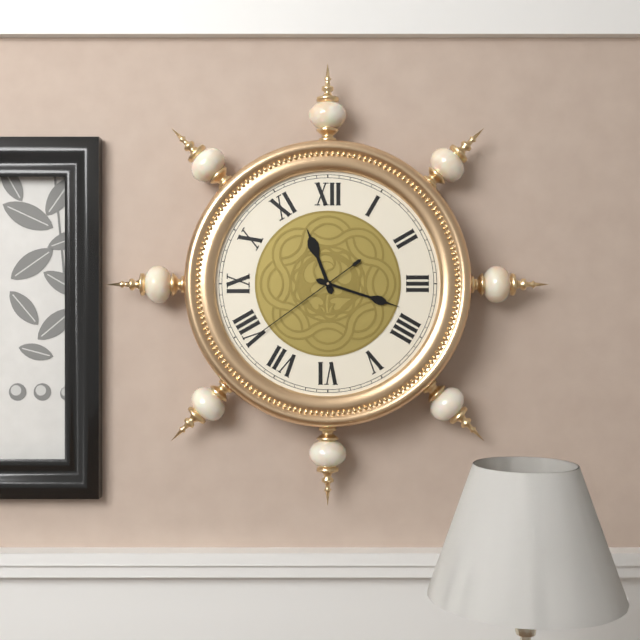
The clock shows h=11 m=18 s=39
